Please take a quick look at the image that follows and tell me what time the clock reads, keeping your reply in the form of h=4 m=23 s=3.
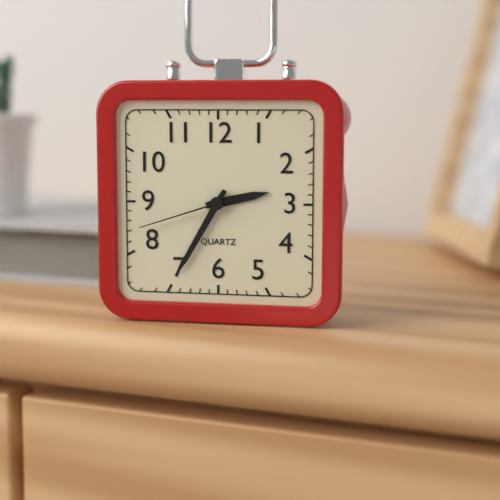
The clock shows h=2 m=35 s=42
